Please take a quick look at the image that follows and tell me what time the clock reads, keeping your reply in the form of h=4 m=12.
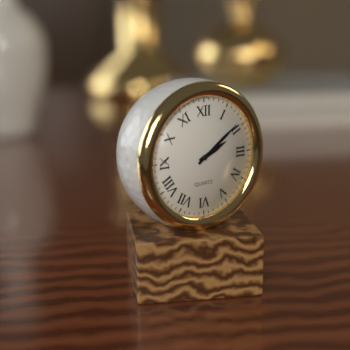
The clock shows h=2 m=9
